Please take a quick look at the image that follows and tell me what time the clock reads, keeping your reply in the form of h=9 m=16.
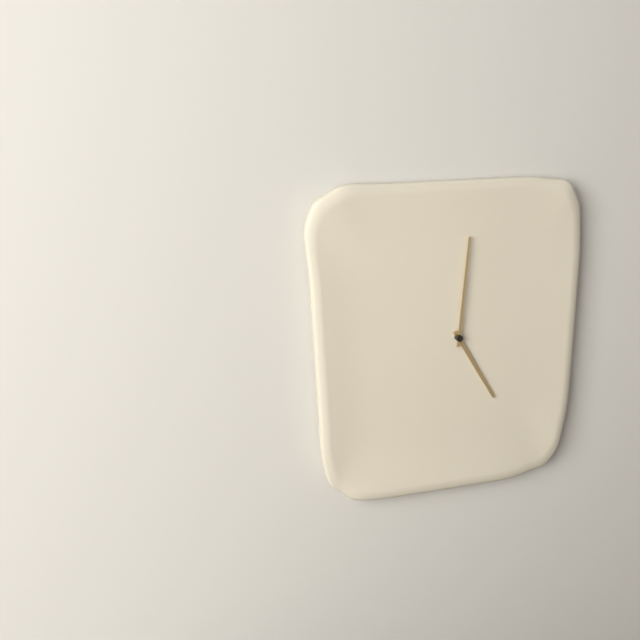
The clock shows h=5 m=1
